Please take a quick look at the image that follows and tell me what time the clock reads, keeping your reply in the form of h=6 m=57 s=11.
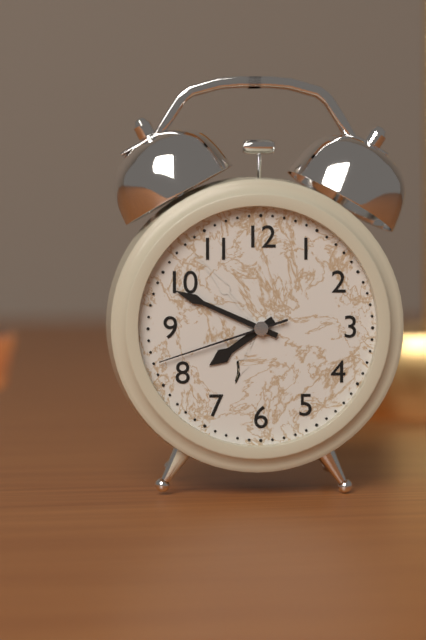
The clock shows h=7 m=49 s=42
